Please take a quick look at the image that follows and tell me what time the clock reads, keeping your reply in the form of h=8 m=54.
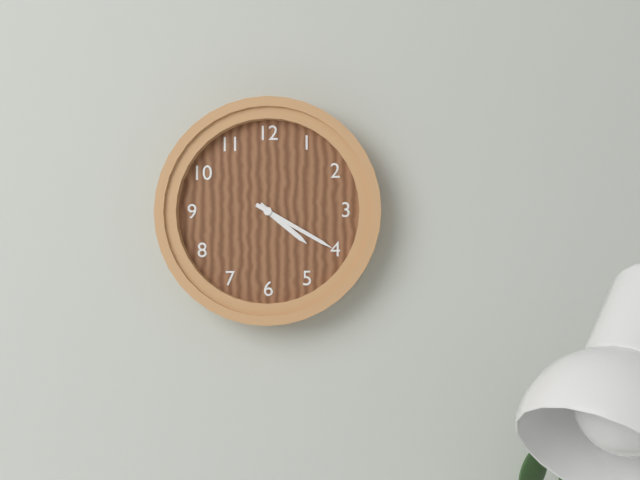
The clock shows h=4 m=20
